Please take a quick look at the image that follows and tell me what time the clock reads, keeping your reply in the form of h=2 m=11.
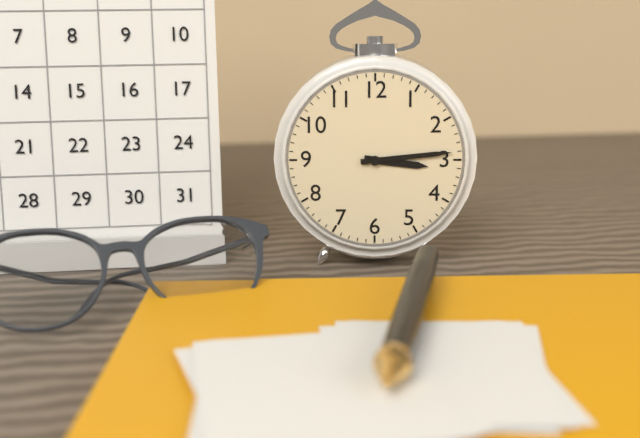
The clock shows h=3 m=14
